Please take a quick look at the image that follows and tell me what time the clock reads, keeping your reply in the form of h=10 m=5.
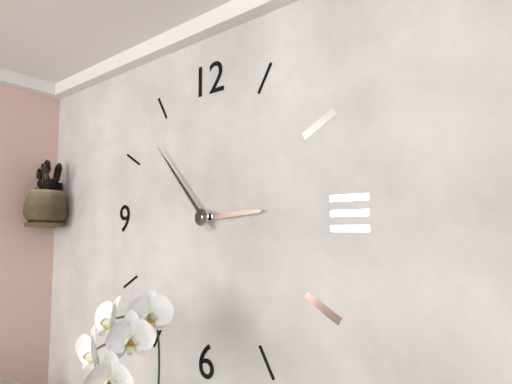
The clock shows h=2 m=53
